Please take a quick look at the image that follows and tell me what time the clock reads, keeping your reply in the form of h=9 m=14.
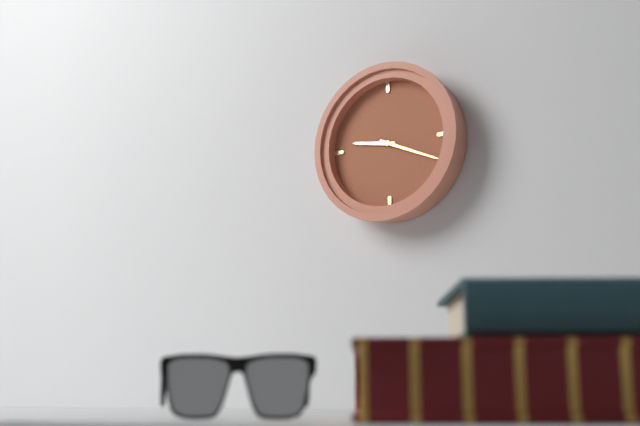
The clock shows h=9 m=19
